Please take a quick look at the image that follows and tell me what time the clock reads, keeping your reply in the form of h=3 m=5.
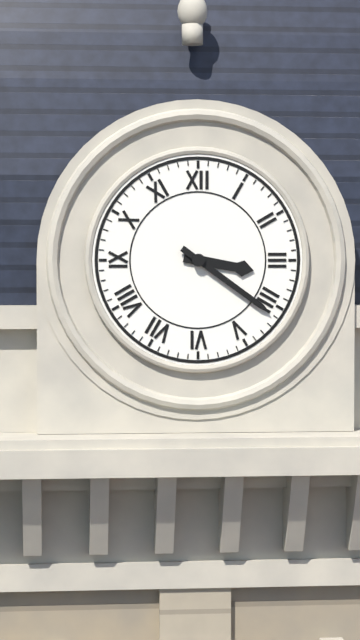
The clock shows h=3 m=21
